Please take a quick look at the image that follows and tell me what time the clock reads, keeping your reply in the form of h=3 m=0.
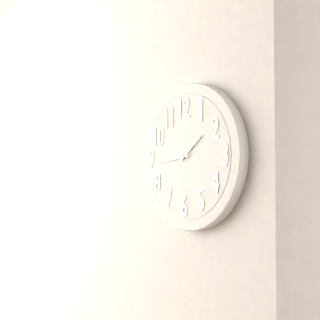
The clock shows h=1 m=44
